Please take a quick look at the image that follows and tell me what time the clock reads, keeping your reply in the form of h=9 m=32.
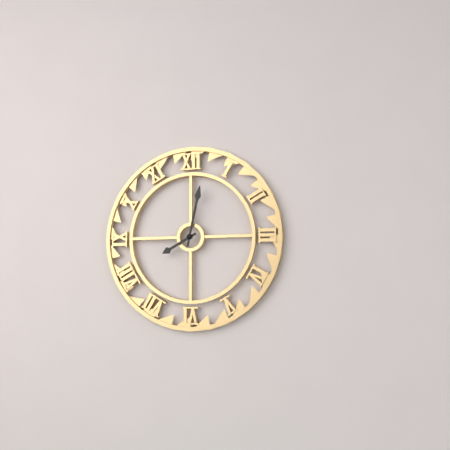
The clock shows h=8 m=2
